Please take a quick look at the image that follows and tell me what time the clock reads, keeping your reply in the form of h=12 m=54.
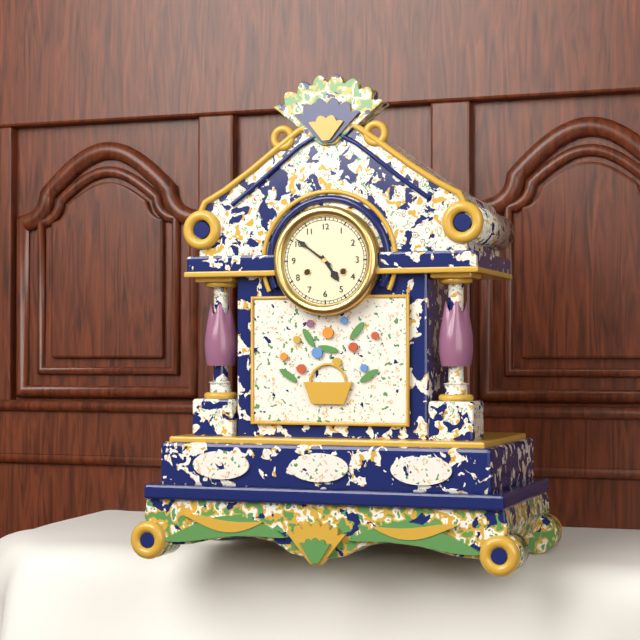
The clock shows h=4 m=51
